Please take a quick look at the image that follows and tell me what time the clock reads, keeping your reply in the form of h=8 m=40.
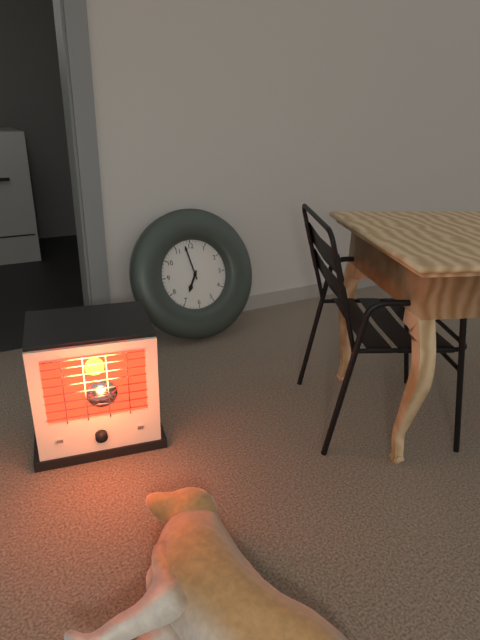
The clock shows h=6 m=58
